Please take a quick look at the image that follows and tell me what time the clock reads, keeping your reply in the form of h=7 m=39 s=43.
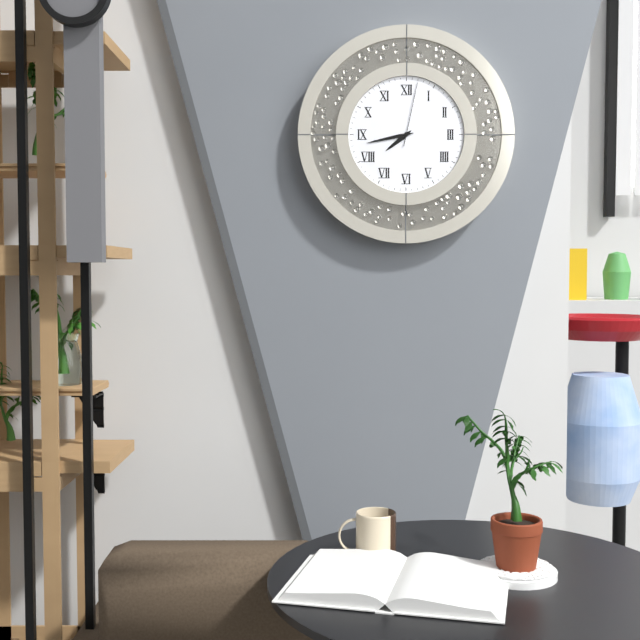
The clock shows h=7 m=43 s=2
